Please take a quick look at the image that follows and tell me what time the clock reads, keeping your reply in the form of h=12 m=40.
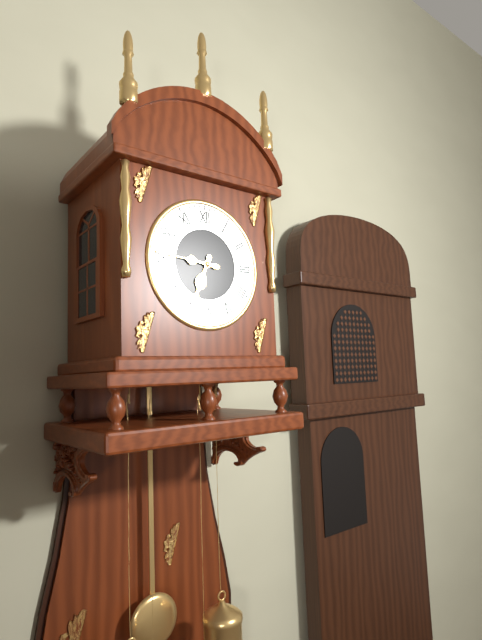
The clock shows h=6 m=46
